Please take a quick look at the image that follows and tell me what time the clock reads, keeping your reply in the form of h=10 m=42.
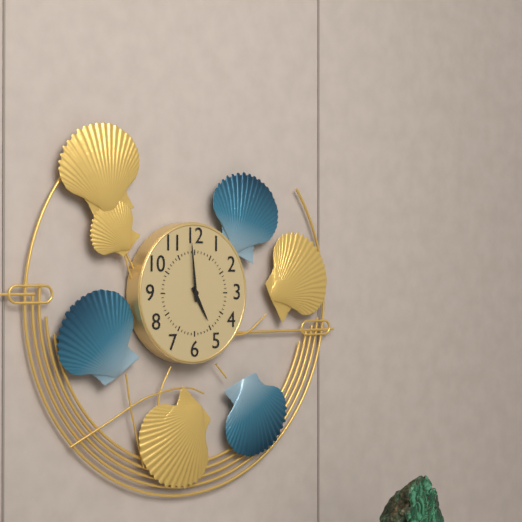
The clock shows h=4 m=59
